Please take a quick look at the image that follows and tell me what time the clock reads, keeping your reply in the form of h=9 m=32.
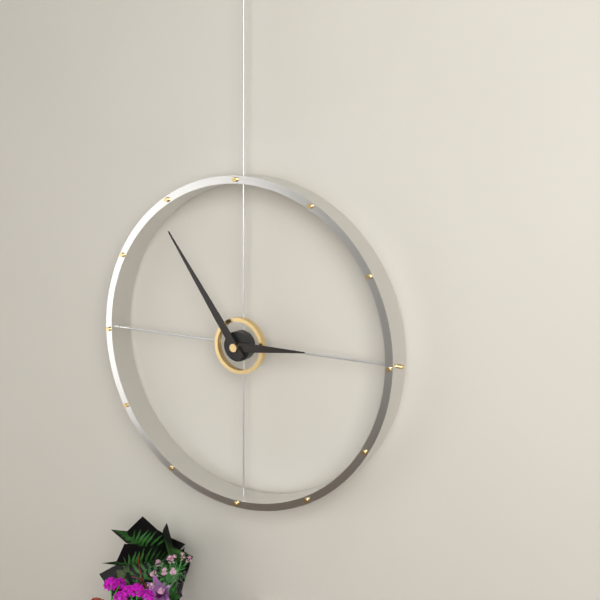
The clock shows h=2 m=54
